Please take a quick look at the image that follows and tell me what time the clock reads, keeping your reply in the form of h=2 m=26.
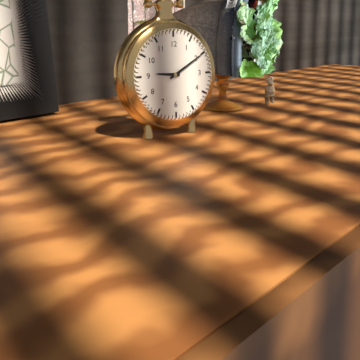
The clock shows h=9 m=10
